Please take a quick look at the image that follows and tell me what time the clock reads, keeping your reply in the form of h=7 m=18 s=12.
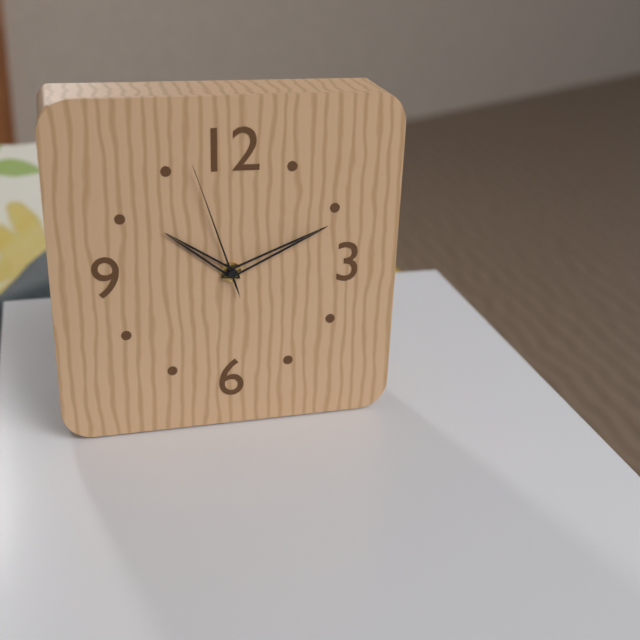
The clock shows h=10 m=11 s=57
